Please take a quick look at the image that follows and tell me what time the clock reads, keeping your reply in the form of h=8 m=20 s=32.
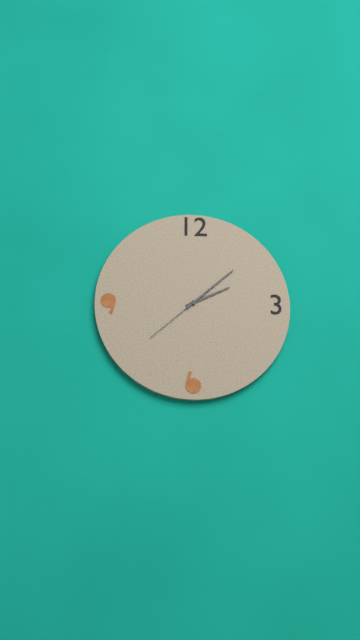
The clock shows h=2 m=8 s=38
